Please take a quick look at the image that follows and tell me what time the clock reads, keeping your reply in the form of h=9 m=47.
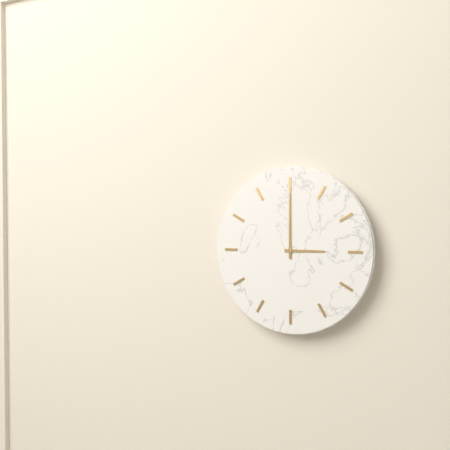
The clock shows h=3 m=0
